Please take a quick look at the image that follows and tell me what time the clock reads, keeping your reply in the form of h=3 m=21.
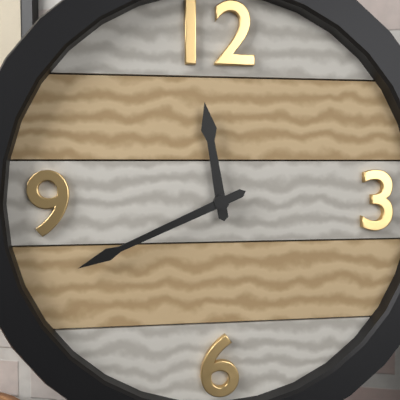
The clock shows h=11 m=41
